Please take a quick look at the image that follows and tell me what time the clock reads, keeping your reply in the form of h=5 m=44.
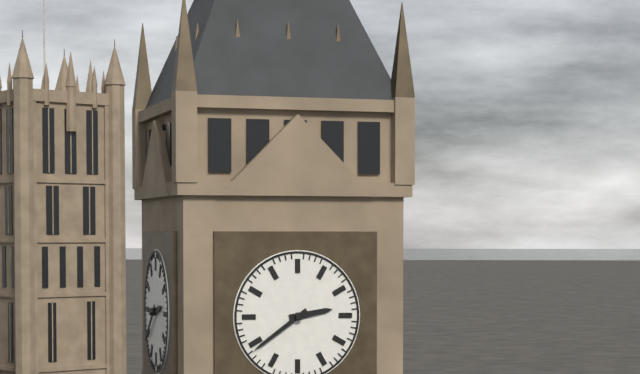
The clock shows h=2 m=39
